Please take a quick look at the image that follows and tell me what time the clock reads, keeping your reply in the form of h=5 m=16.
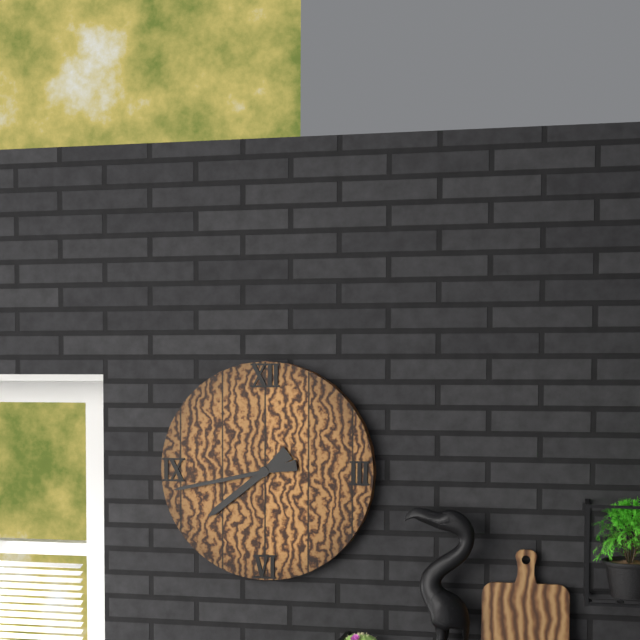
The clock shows h=7 m=43
